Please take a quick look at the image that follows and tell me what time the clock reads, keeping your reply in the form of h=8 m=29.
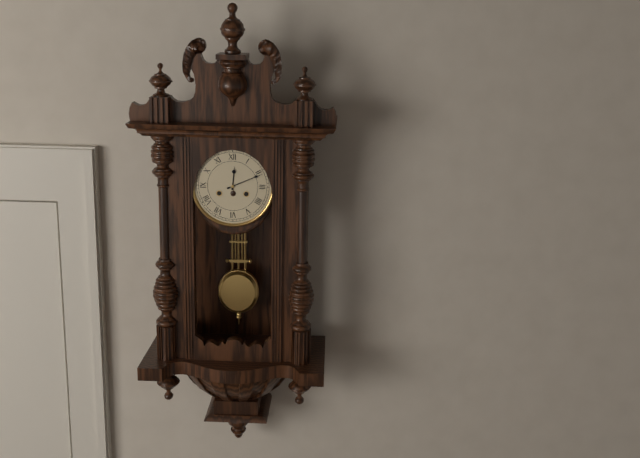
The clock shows h=12 m=11
